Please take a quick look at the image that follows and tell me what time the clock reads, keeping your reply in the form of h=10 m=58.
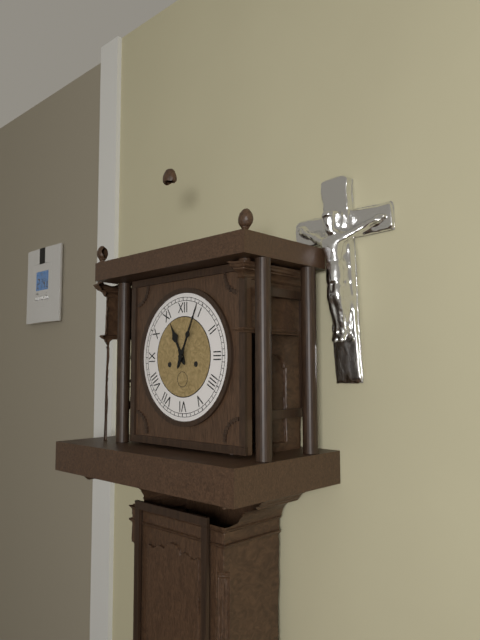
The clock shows h=11 m=4
